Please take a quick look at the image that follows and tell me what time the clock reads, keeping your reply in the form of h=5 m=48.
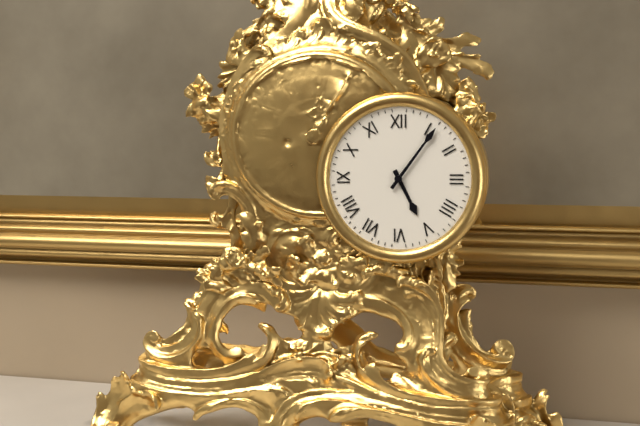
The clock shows h=5 m=6
